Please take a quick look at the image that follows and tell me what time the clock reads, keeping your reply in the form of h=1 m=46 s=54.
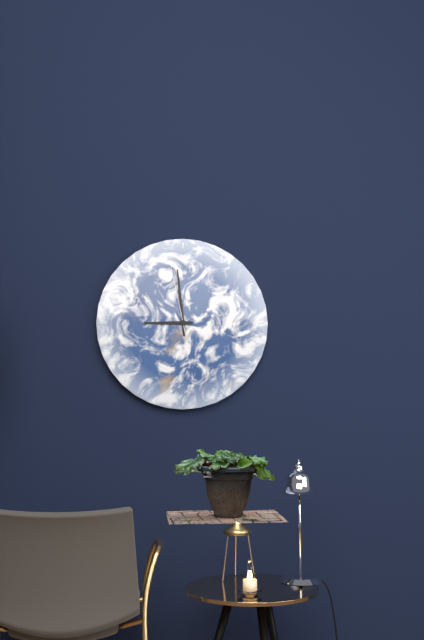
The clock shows h=8 m=59 s=58
